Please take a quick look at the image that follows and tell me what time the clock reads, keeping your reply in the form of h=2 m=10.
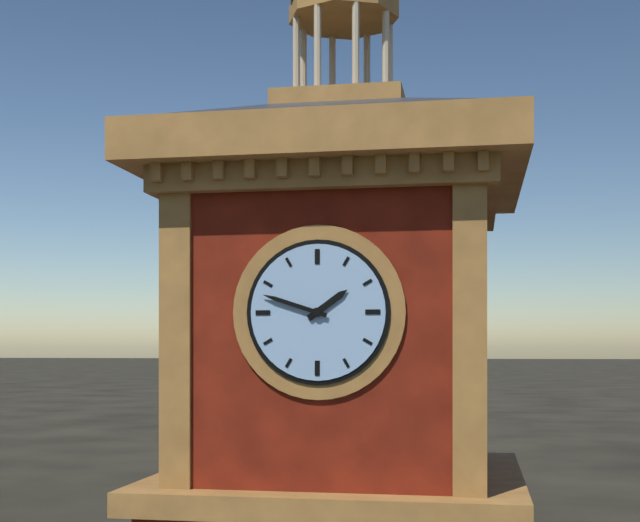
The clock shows h=1 m=48
